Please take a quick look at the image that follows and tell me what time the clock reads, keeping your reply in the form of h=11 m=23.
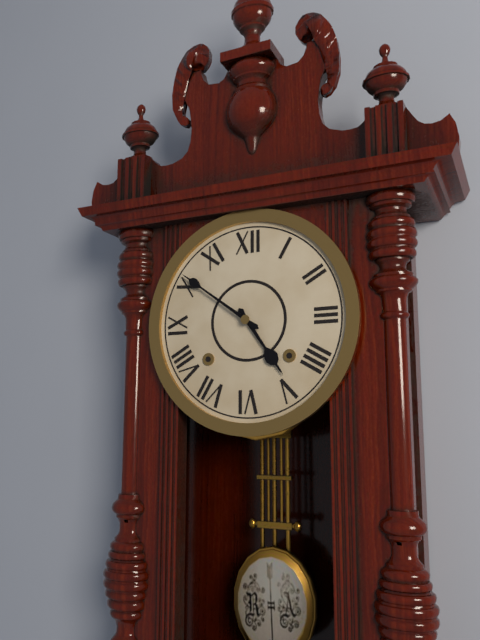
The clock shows h=4 m=51
